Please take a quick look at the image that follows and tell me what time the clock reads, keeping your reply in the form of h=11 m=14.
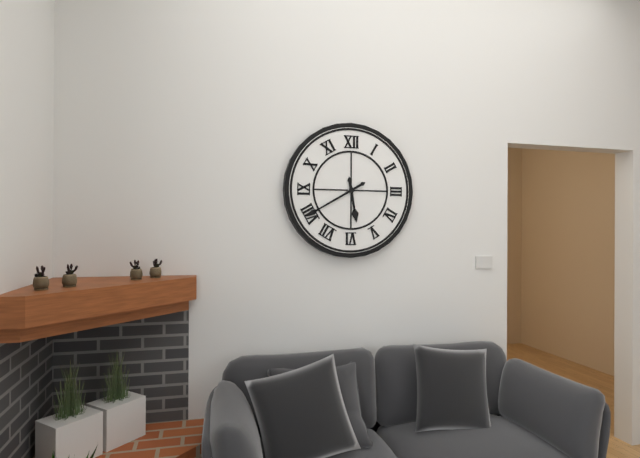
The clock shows h=5 m=40
